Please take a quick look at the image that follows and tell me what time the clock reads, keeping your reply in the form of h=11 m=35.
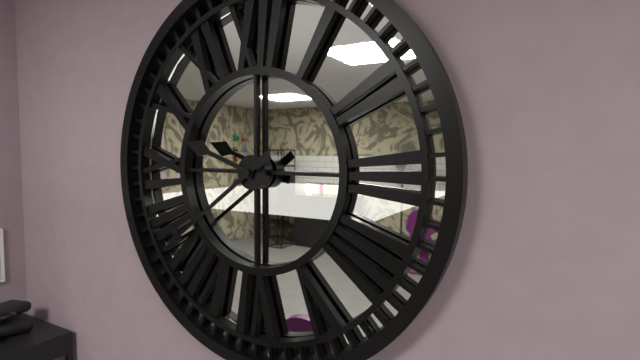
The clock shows h=9 m=39
